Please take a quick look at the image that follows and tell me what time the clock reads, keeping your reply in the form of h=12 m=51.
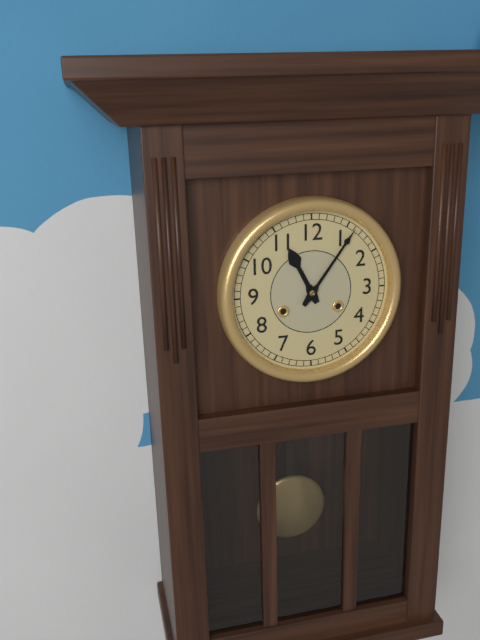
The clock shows h=11 m=6
